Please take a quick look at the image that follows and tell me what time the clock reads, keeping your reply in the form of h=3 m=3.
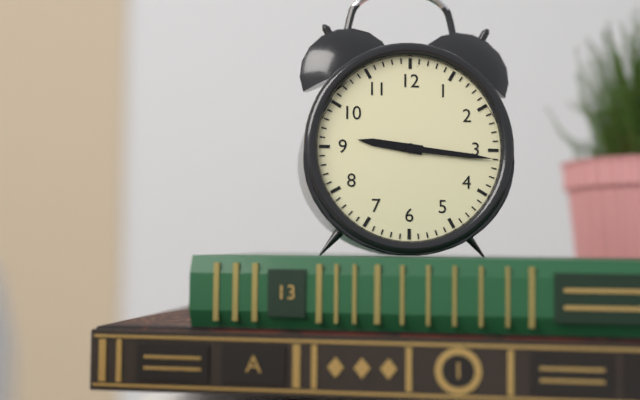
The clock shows h=9 m=16
